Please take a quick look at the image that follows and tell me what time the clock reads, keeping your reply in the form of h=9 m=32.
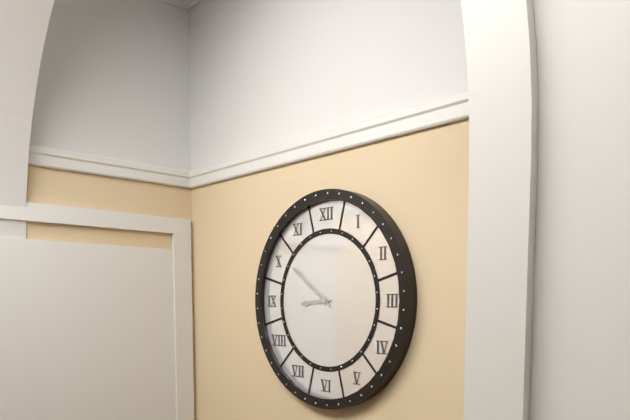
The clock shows h=8 m=51
